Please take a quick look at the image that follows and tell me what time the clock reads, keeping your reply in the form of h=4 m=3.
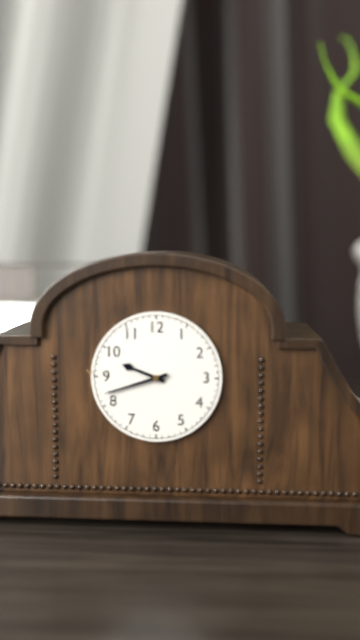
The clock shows h=9 m=42
